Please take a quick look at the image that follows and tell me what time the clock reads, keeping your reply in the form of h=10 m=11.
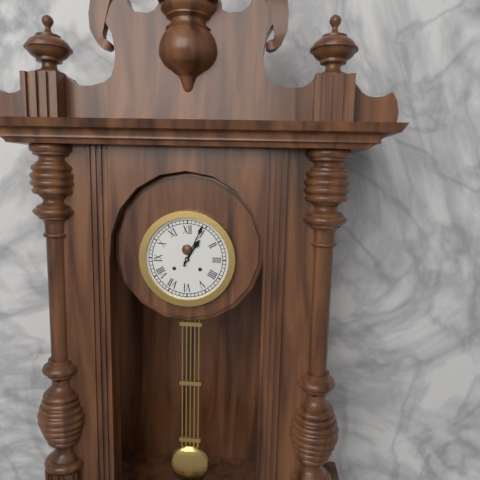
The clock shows h=1 m=4
